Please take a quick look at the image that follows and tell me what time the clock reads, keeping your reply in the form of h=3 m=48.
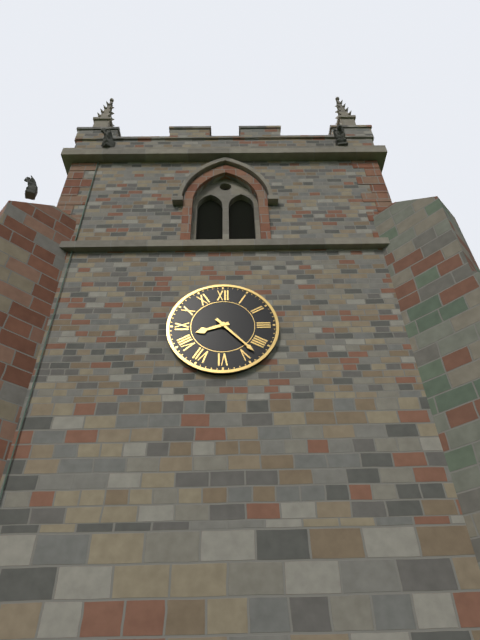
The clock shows h=8 m=23
